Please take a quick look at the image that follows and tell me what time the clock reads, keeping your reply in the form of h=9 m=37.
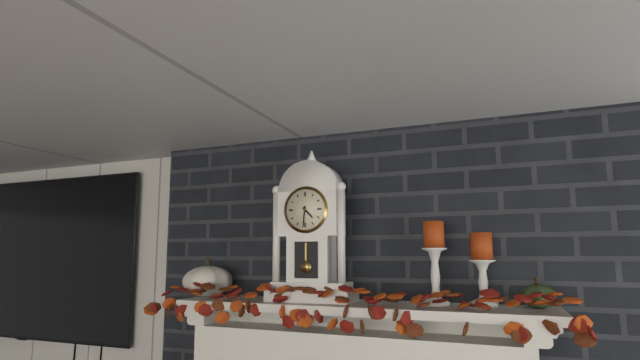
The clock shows h=4 m=31
